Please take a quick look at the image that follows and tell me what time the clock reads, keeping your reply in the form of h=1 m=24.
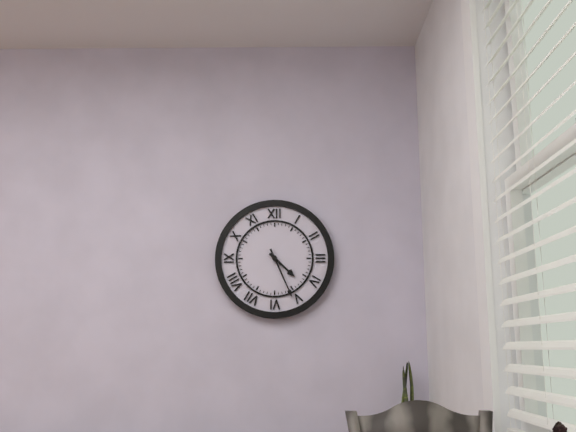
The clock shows h=4 m=26
